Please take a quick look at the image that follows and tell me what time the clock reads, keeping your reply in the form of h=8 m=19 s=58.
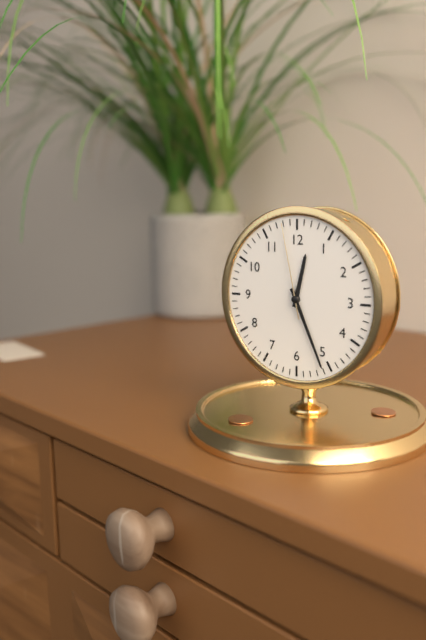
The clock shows h=12 m=26 s=58
